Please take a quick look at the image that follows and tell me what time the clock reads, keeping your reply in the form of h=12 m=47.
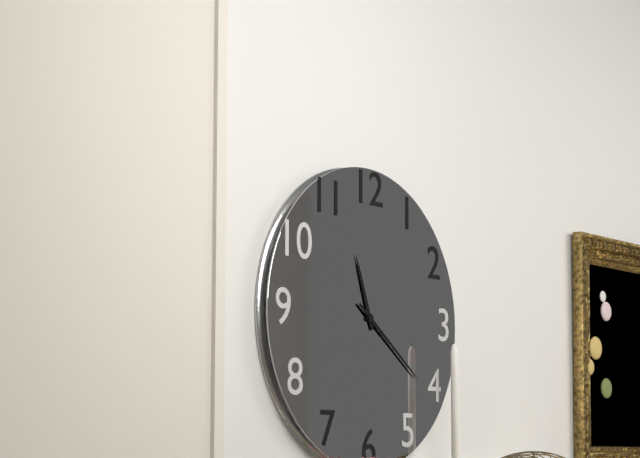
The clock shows h=11 m=21
